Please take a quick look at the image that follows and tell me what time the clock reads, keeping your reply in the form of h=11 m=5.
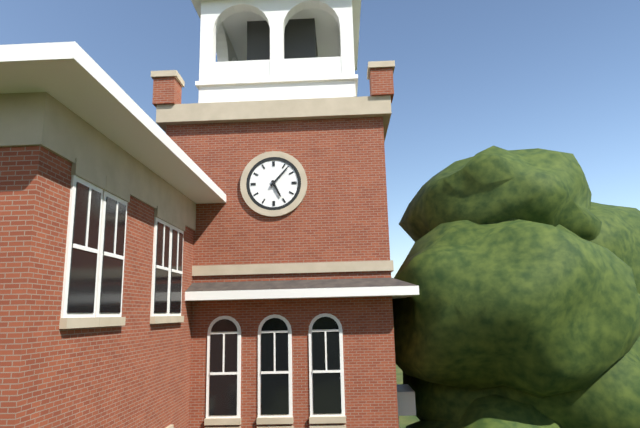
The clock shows h=5 m=7
